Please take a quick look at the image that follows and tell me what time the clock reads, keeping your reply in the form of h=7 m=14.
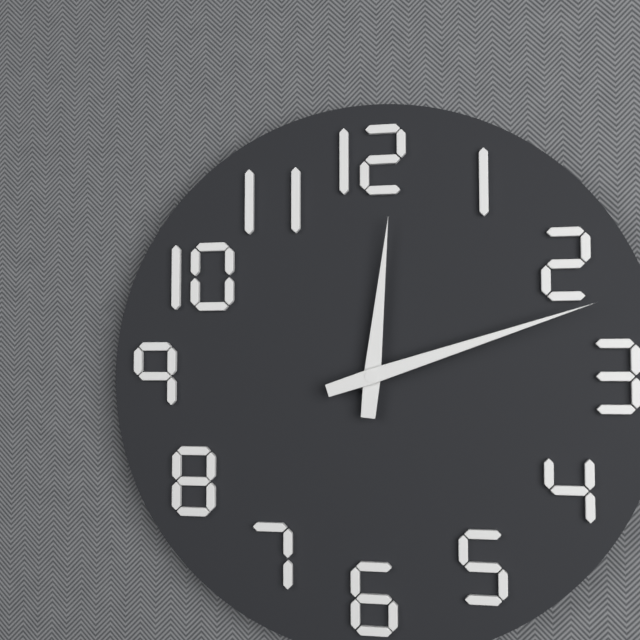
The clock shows h=12 m=12
